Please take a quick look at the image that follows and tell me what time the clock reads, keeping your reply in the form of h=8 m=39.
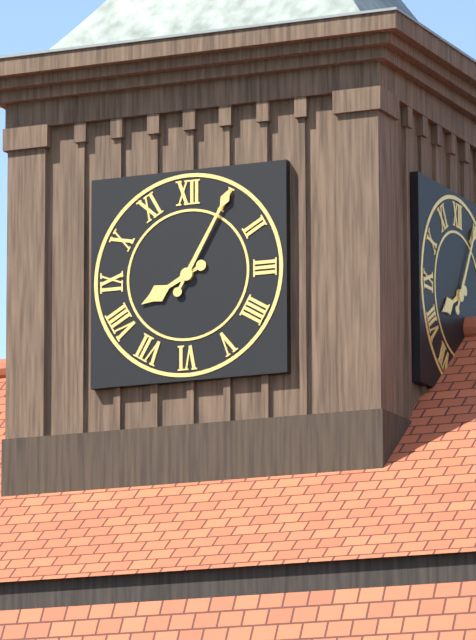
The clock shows h=8 m=5
